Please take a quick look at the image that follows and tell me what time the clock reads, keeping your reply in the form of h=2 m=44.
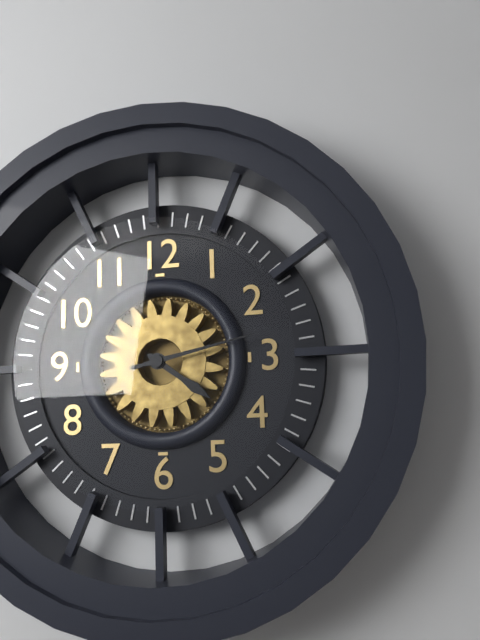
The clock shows h=4 m=13
